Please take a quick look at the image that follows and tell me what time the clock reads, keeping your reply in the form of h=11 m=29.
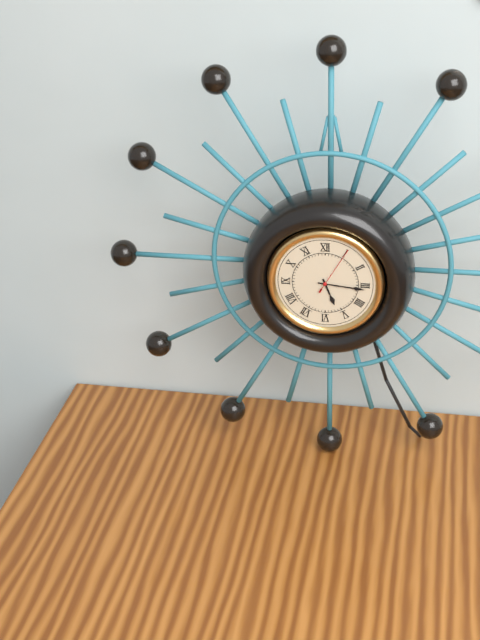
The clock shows h=5 m=16
